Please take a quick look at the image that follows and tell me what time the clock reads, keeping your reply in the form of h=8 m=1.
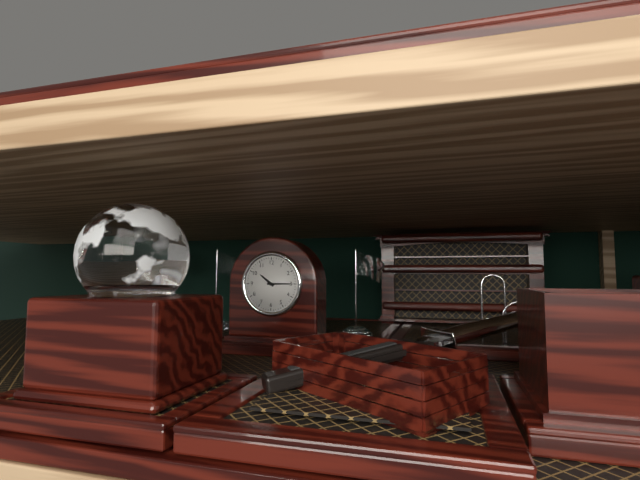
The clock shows h=10 m=15
